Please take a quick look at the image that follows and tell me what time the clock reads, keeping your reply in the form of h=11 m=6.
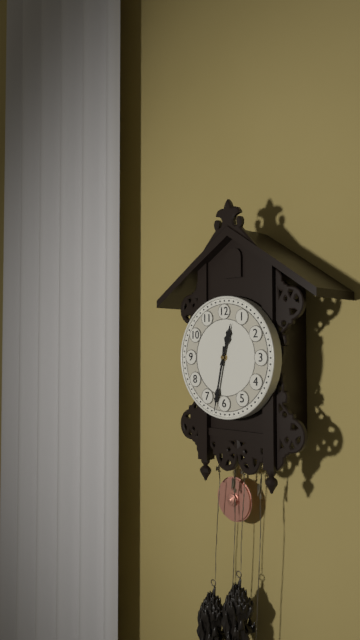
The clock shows h=12 m=32
